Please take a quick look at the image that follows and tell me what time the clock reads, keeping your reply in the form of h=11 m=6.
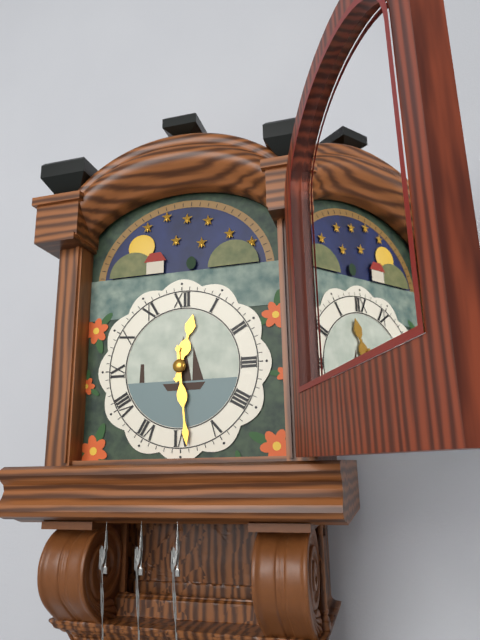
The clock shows h=12 m=29
